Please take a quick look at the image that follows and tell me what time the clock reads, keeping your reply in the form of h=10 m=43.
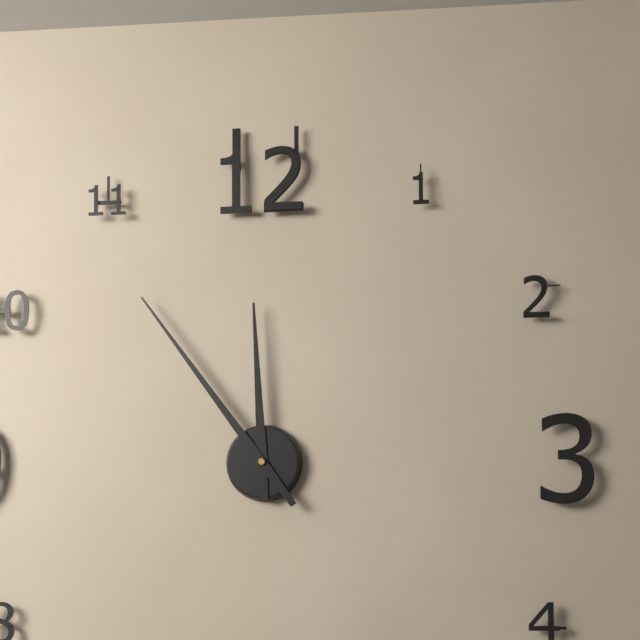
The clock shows h=11 m=54
